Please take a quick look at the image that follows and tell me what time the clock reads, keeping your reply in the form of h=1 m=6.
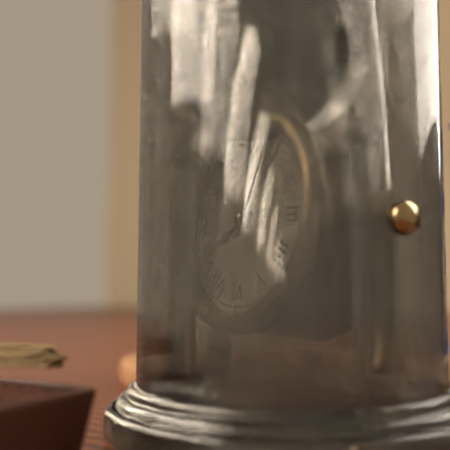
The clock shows h=8 m=3
